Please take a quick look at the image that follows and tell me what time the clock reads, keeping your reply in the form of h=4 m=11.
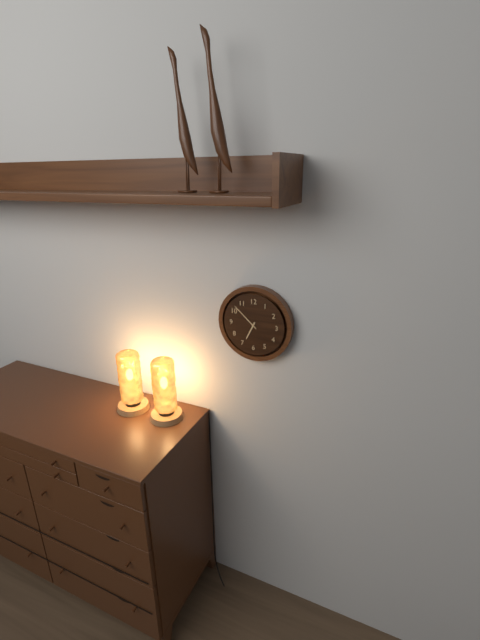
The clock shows h=6 m=52
